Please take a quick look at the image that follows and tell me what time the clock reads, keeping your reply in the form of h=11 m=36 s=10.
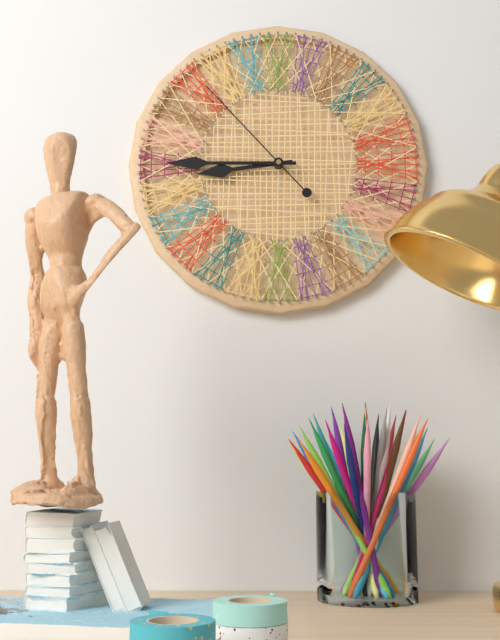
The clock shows h=8 m=45 s=53
